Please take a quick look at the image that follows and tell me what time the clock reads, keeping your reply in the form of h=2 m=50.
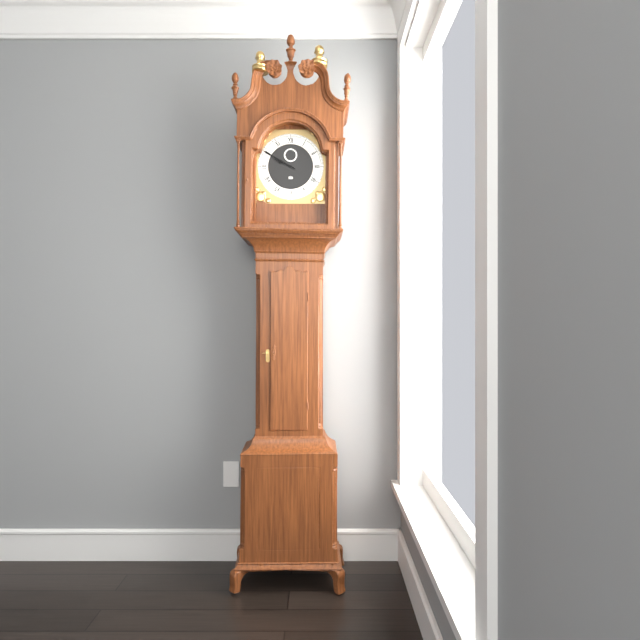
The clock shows h=9 m=50
